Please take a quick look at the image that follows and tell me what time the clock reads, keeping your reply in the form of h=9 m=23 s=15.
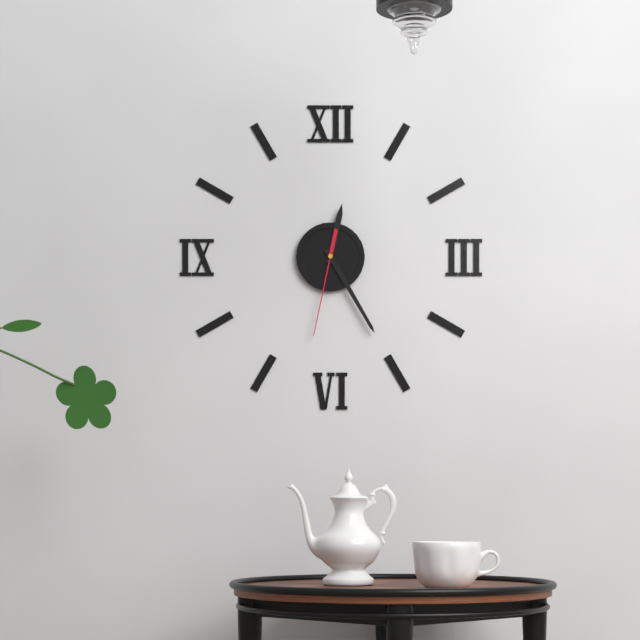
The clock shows h=12 m=25 s=32
